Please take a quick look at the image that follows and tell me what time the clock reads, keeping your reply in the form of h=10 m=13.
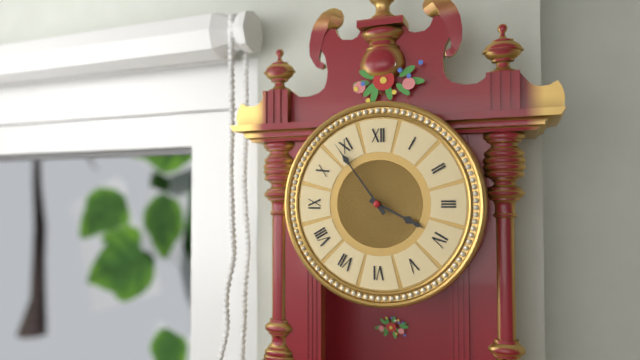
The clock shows h=3 m=54
